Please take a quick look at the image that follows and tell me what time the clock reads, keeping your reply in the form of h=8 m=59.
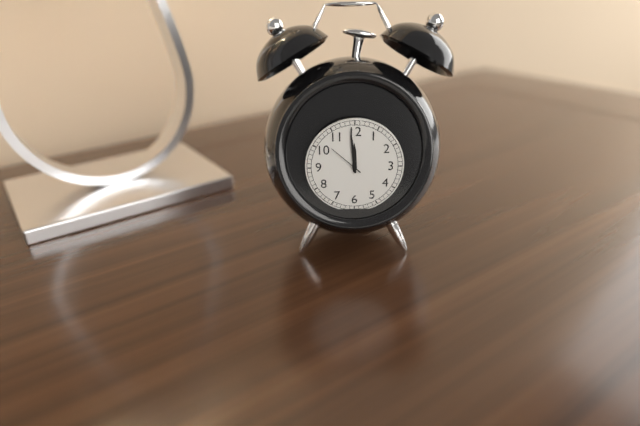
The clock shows h=11 m=59
